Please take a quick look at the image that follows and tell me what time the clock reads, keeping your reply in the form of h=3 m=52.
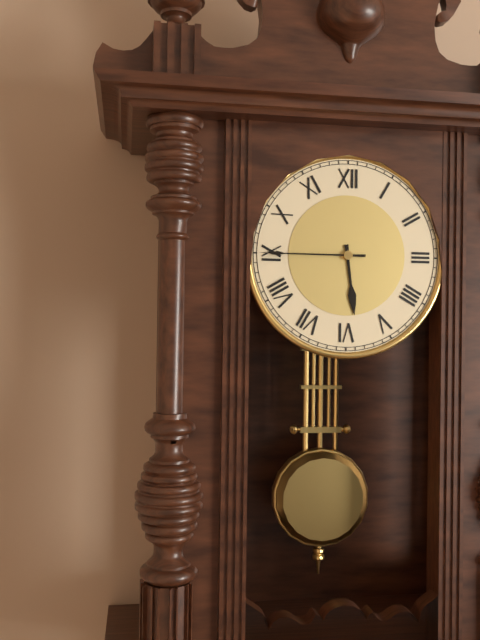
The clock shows h=5 m=45
